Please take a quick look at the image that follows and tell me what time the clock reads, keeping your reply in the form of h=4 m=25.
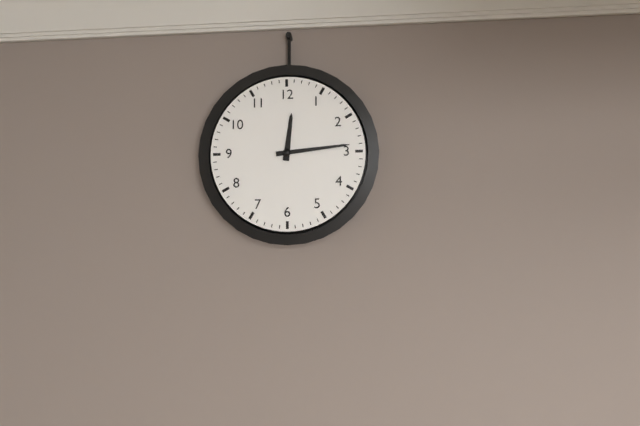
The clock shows h=12 m=14
